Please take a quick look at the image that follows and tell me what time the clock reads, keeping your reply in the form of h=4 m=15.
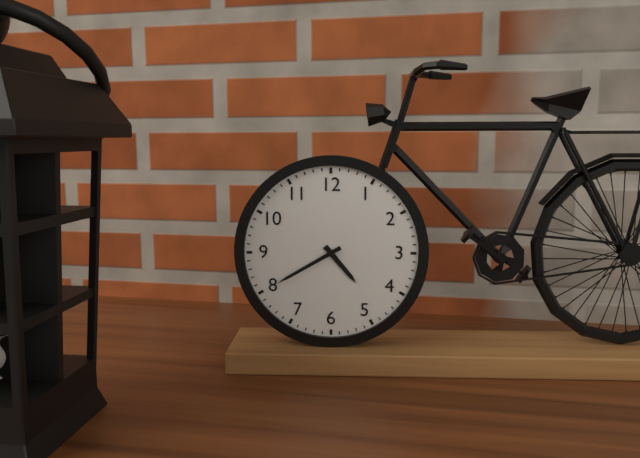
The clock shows h=4 m=40
